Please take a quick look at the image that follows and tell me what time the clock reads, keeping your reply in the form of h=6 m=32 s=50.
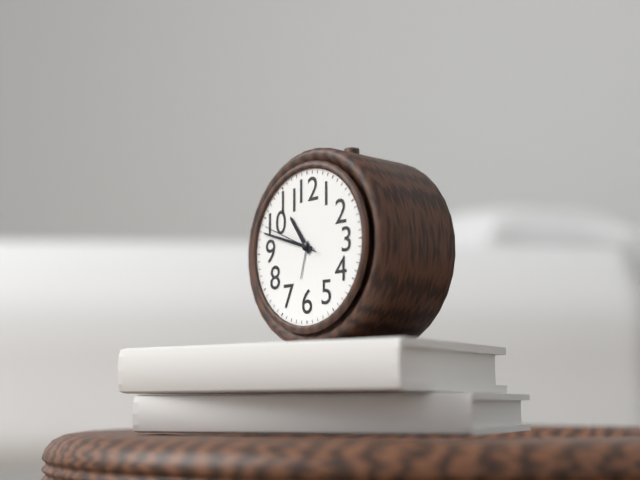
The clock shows h=10 m=48 s=49
